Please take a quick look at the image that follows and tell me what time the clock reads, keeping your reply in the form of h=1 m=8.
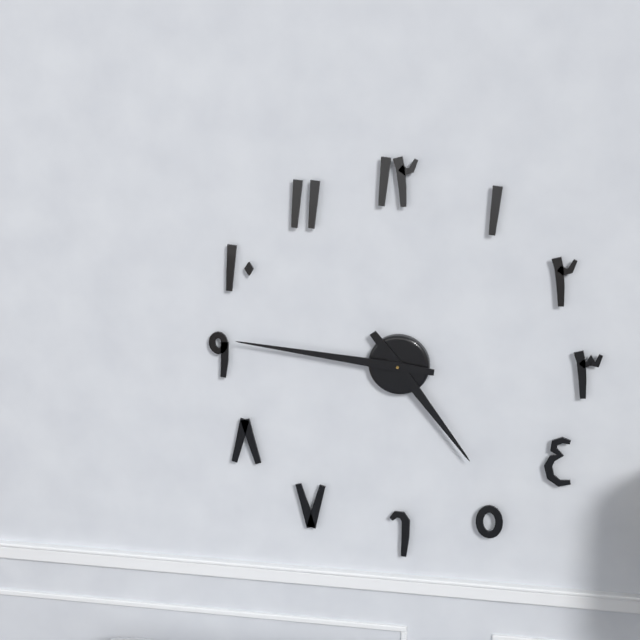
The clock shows h=4 m=46
